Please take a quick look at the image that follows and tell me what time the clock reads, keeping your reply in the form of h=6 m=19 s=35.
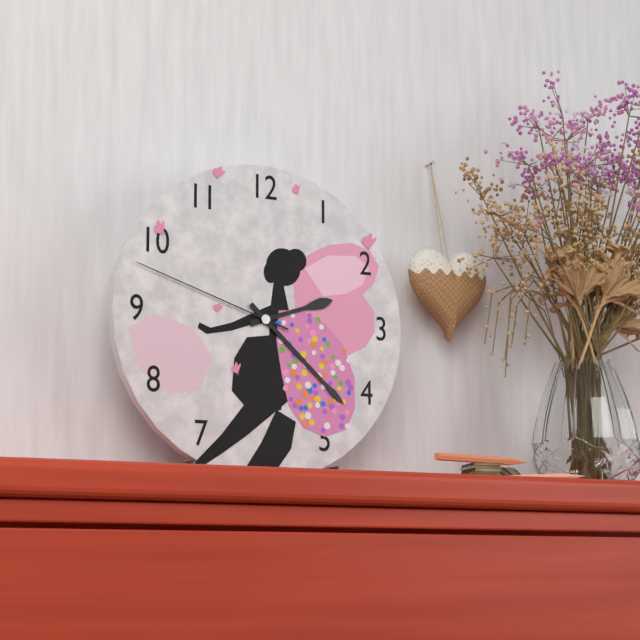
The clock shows h=2 m=22 s=48
